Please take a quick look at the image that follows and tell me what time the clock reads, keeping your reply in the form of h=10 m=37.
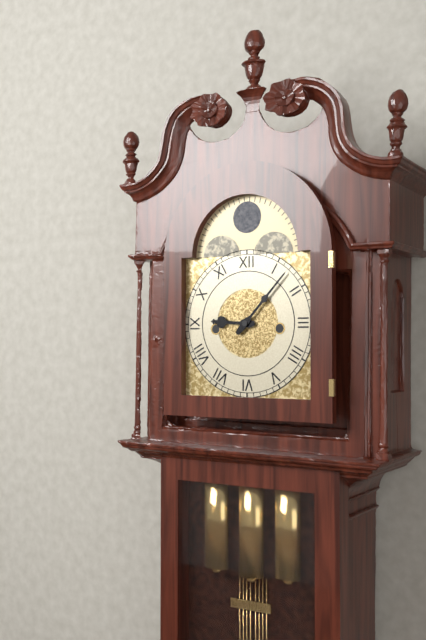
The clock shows h=9 m=7
